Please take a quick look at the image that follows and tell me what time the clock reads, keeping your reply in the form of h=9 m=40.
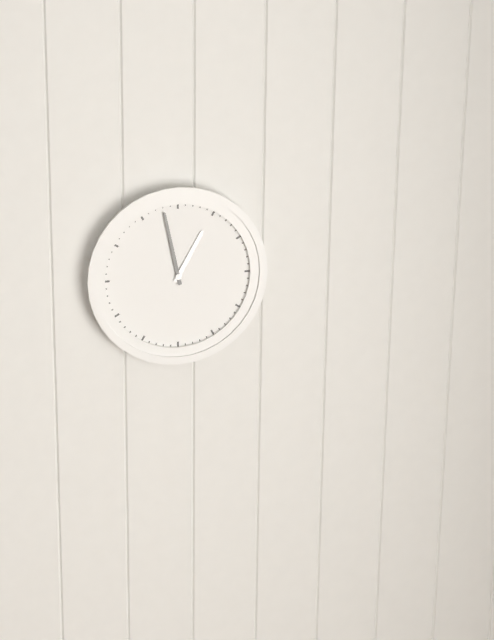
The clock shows h=12 m=58
